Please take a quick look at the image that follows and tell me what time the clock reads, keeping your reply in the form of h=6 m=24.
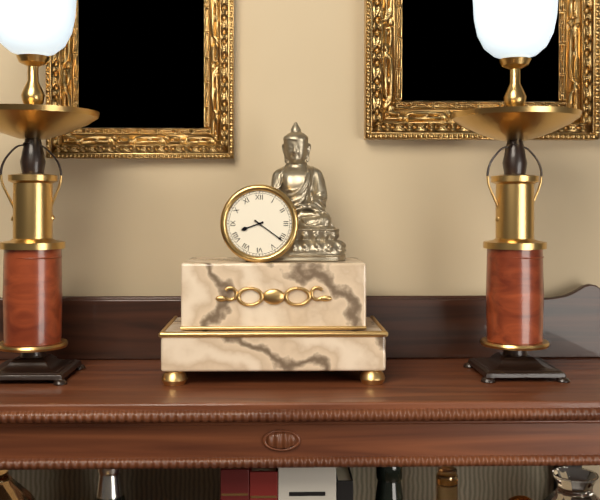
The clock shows h=8 m=21
